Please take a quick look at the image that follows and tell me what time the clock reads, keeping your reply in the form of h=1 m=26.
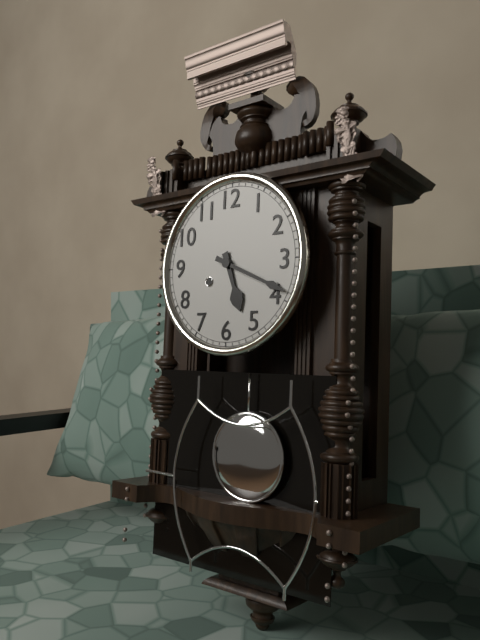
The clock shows h=5 m=19
